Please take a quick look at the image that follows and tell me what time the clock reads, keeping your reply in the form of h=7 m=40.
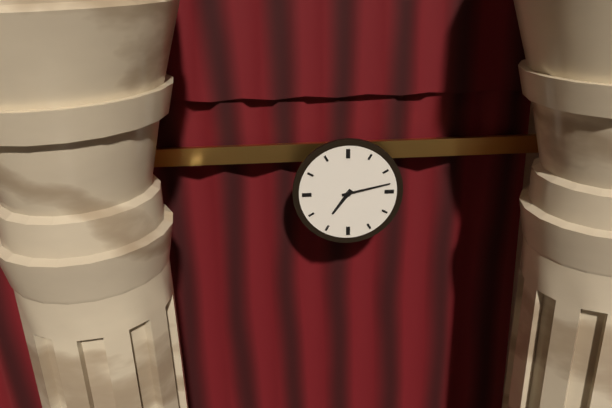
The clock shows h=7 m=13
